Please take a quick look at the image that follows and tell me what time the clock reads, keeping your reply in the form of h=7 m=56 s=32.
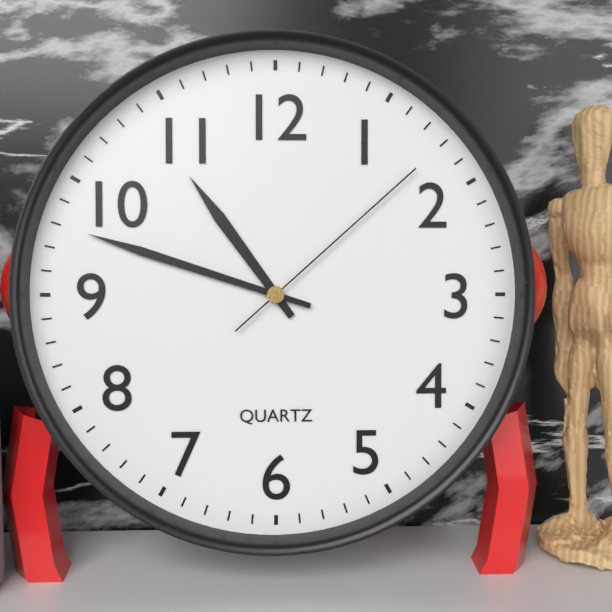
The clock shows h=10 m=48 s=8
